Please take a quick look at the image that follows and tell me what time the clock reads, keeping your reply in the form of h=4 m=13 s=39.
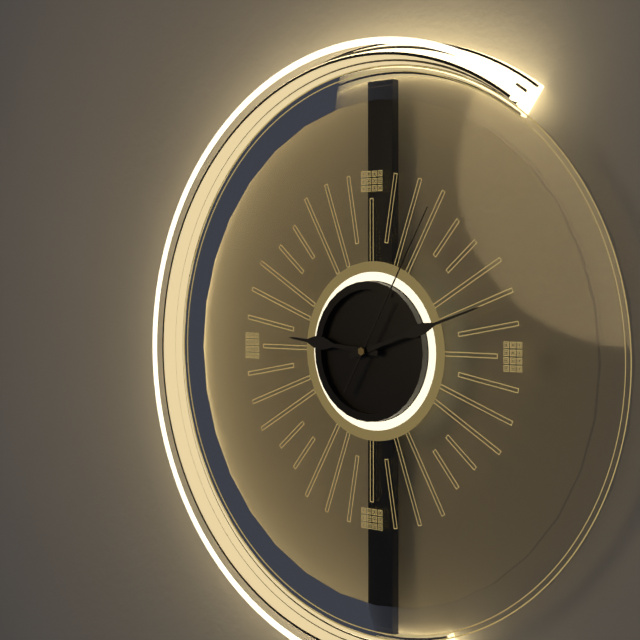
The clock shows h=9 m=12 s=5
